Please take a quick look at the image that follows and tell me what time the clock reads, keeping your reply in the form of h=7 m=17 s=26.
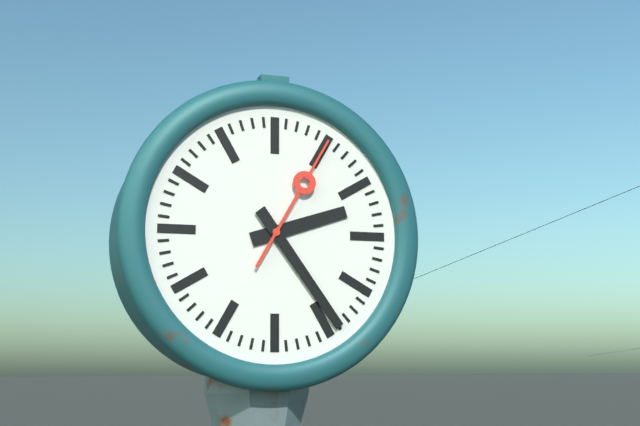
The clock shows h=2 m=24 s=5
